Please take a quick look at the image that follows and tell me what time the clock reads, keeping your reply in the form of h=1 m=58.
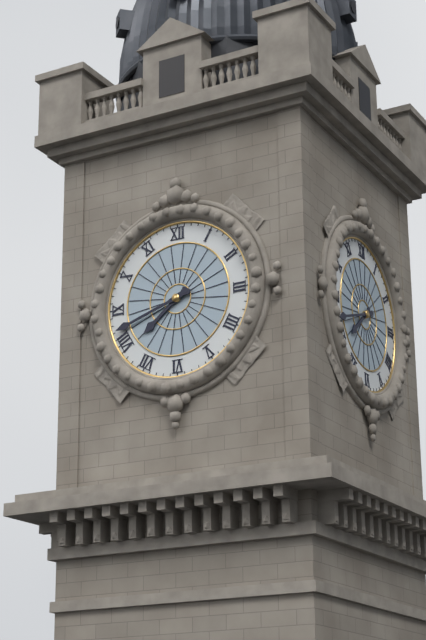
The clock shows h=7 m=42
